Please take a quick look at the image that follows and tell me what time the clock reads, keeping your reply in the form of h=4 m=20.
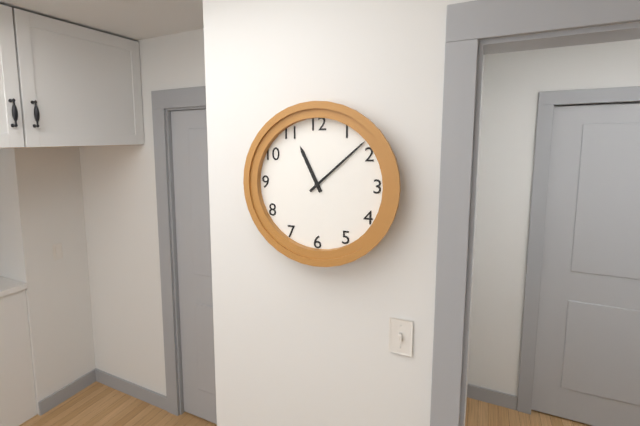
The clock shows h=11 m=8
